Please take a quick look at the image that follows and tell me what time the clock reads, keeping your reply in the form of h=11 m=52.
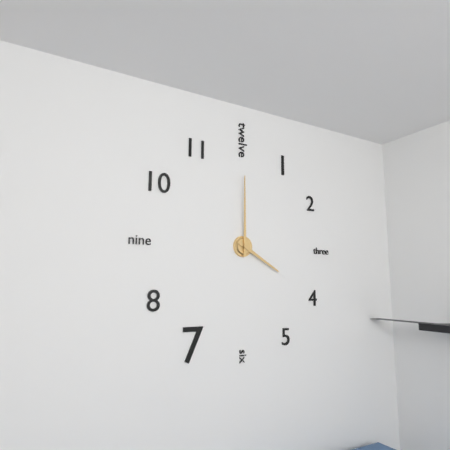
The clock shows h=4 m=0
